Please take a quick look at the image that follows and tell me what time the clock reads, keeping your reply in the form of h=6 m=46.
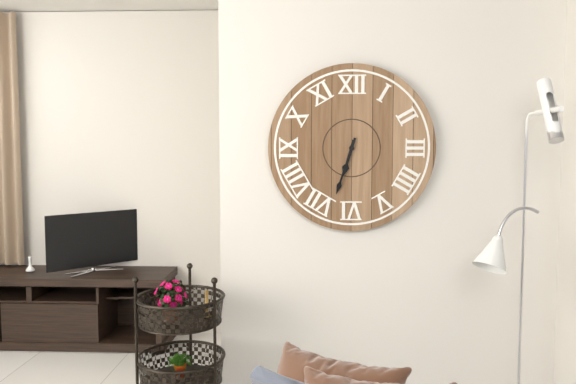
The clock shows h=6 m=33
